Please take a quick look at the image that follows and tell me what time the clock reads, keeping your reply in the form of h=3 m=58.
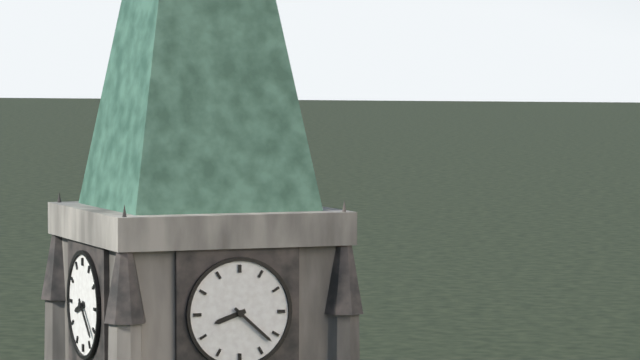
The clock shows h=8 m=22
